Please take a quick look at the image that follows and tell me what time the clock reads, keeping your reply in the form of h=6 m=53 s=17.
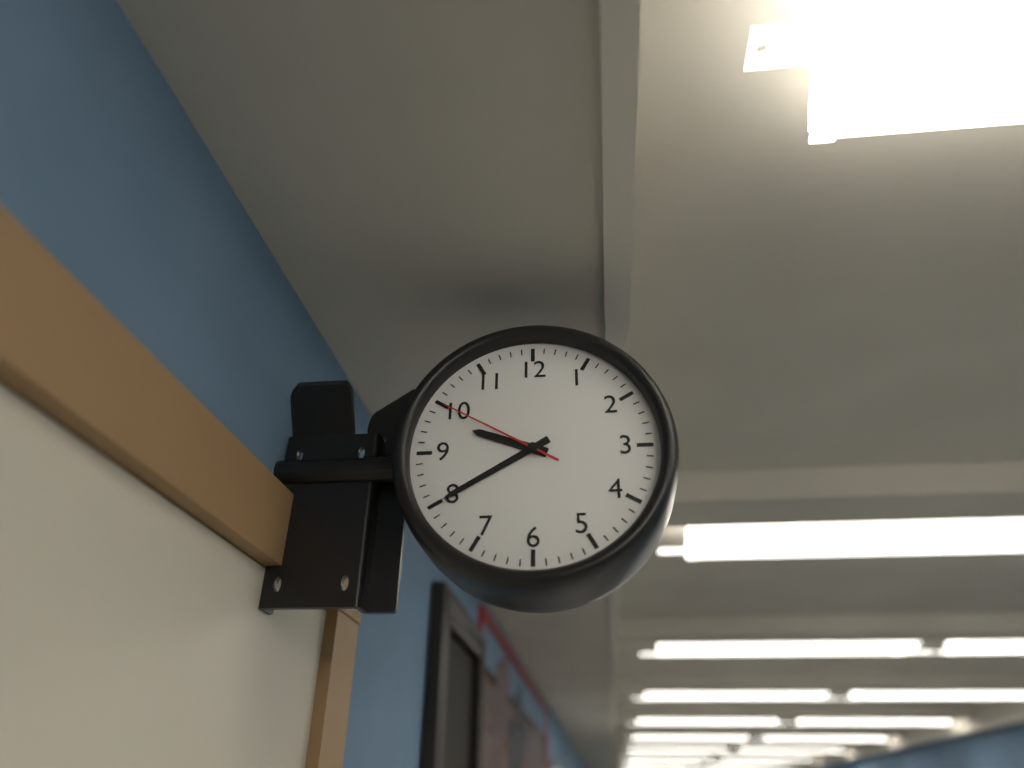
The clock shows h=9 m=40 s=50
